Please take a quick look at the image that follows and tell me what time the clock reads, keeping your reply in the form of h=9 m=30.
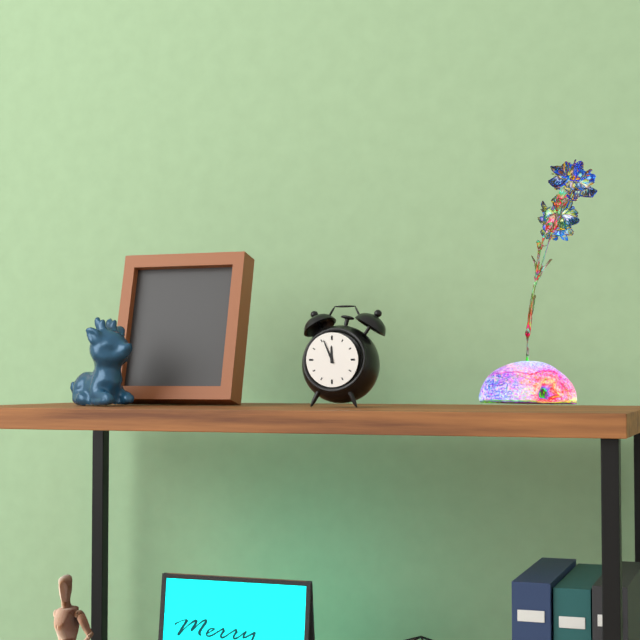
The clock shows h=11 m=56
